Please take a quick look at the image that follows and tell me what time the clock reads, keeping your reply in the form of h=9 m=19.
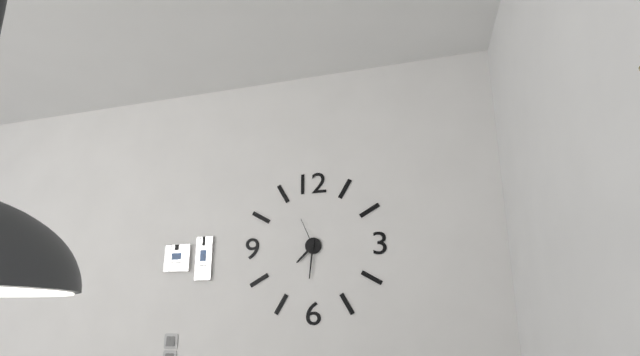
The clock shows h=7 m=31
